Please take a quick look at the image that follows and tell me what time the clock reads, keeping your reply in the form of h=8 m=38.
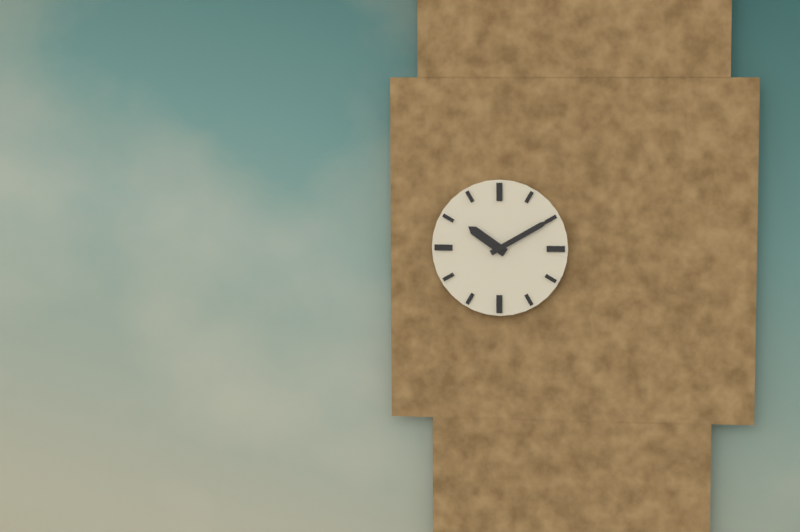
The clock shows h=10 m=10
